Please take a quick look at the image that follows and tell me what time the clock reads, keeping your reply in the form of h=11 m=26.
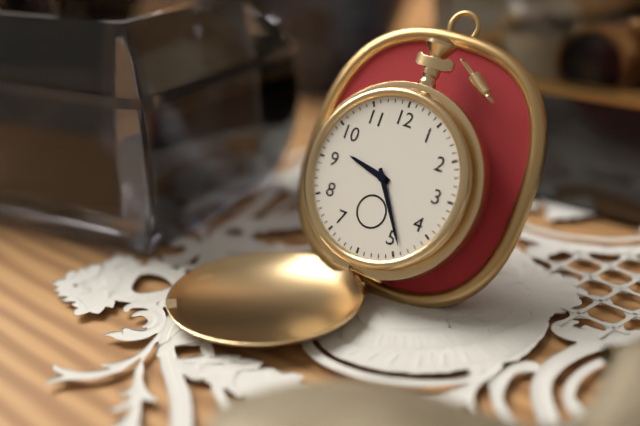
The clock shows h=9 m=24
